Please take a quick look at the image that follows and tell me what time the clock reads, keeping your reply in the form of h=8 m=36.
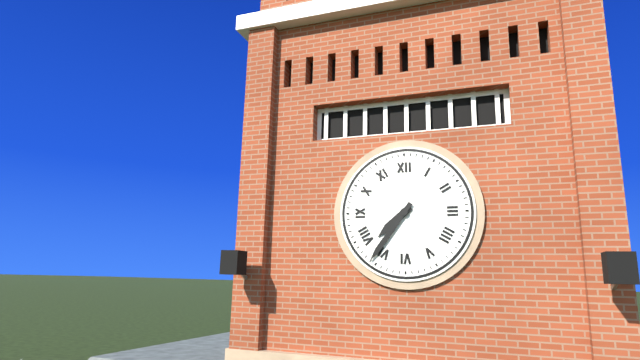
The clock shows h=7 m=36
